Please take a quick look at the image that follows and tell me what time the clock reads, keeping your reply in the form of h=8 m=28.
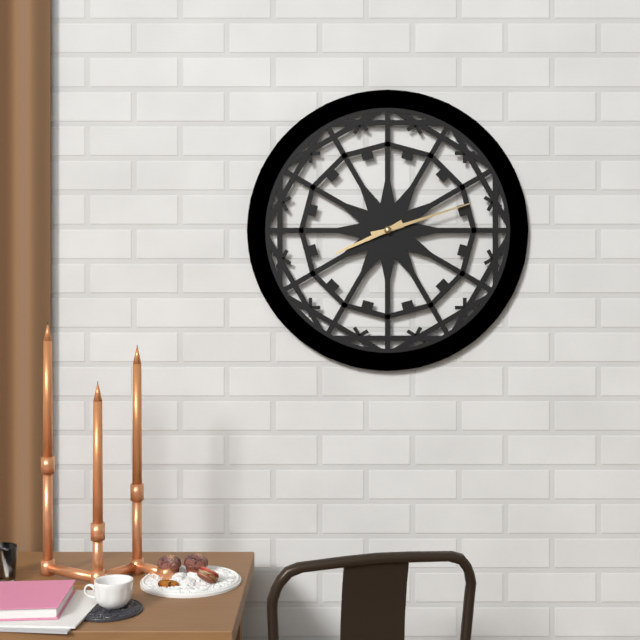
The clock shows h=8 m=12
